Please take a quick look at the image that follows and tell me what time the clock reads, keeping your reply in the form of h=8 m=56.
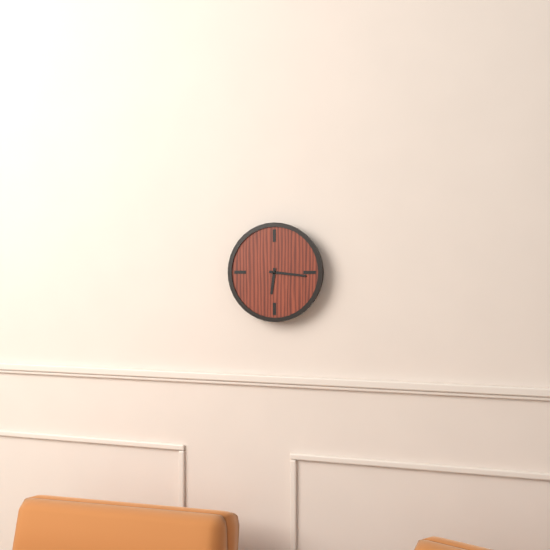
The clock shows h=6 m=16
